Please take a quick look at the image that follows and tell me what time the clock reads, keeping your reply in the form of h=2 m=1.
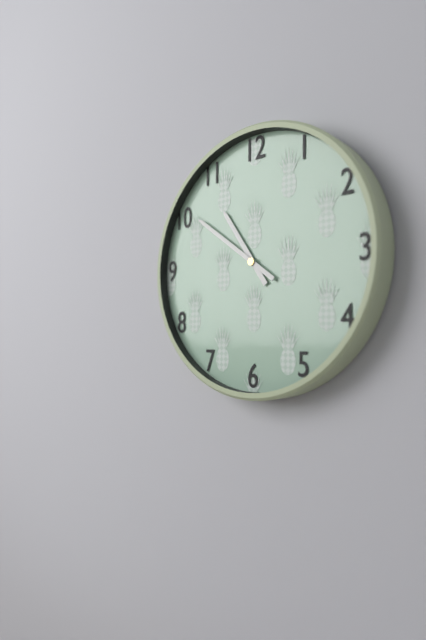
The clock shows h=10 m=51
